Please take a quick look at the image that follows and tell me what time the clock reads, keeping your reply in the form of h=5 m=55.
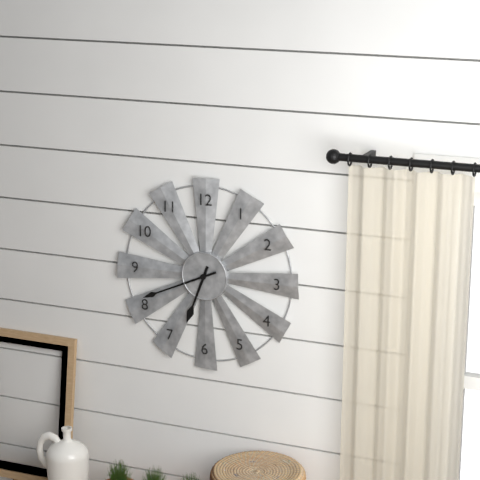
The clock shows h=6 m=41
